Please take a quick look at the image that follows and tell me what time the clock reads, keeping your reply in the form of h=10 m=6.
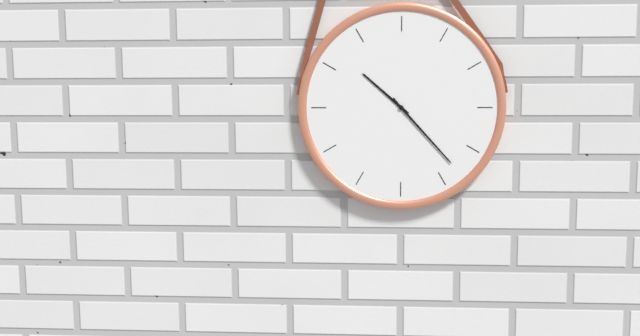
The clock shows h=10 m=23
